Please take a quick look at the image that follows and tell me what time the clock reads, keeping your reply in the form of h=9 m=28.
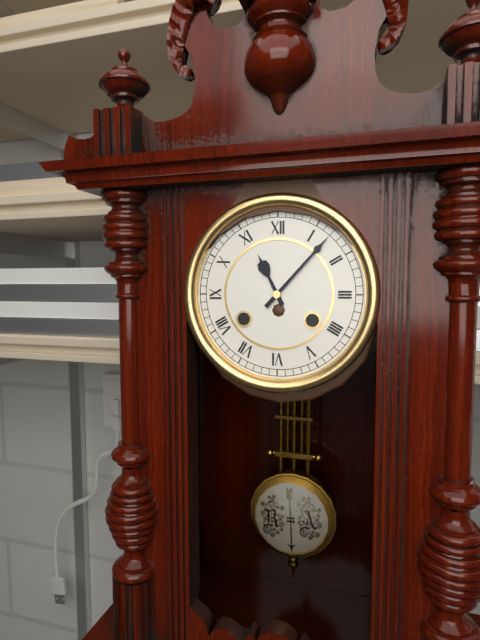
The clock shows h=11 m=7
